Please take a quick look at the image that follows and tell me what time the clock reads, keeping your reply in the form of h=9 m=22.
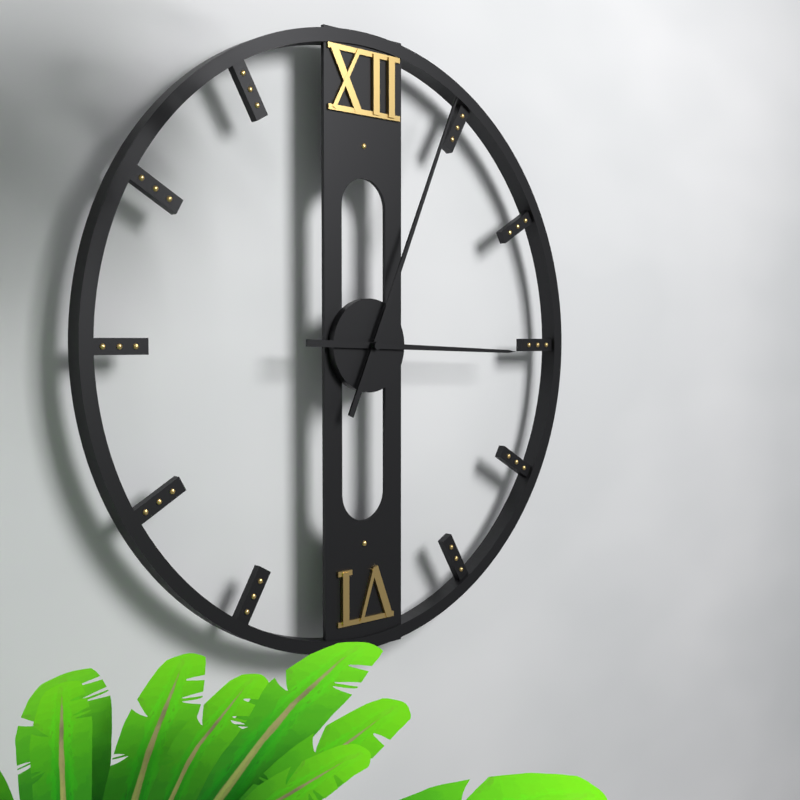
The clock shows h=3 m=4
